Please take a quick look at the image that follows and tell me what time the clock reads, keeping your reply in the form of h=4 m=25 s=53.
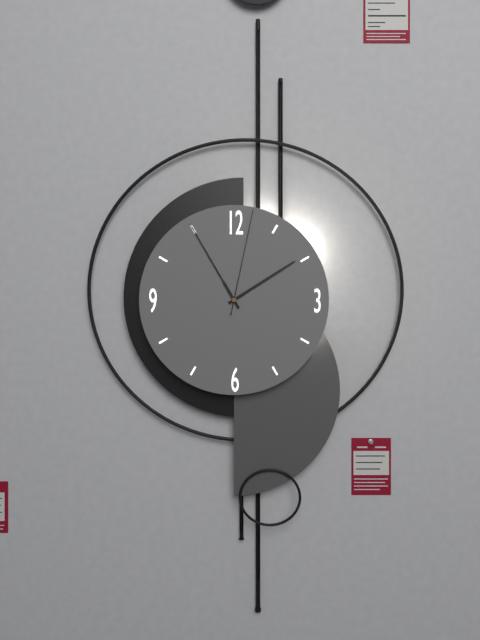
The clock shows h=1 m=55 s=2
